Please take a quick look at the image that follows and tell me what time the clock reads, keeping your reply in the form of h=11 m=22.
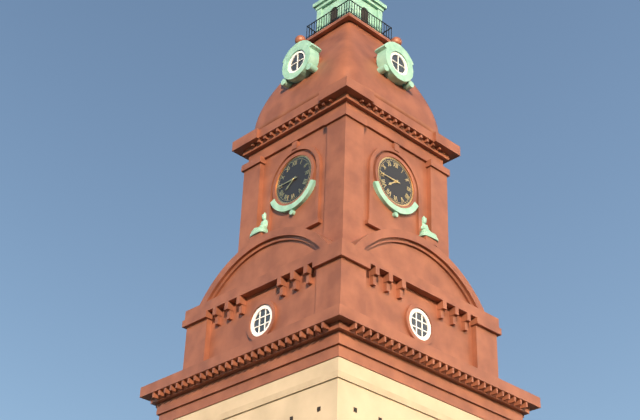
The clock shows h=7 m=45
